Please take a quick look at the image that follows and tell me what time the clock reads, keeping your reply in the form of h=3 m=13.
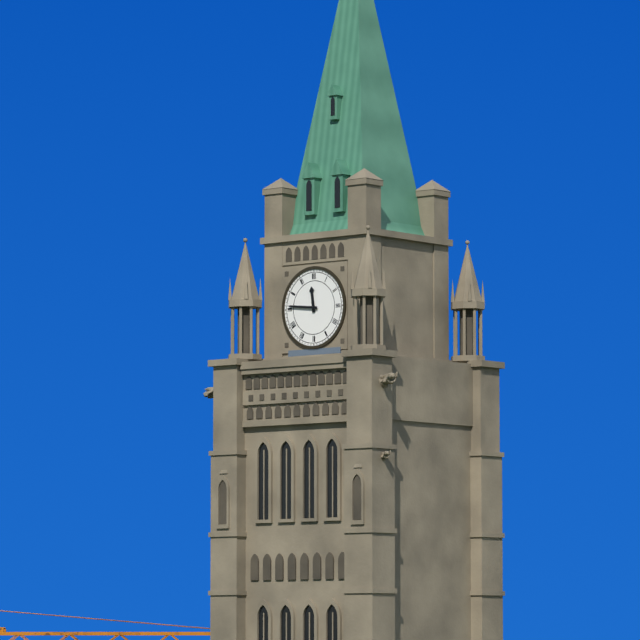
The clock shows h=11 m=46
